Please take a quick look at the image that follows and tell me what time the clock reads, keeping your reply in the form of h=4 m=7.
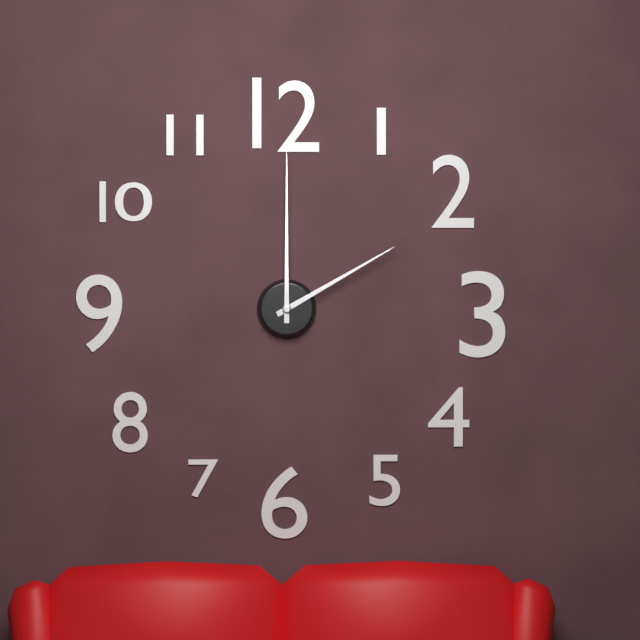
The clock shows h=2 m=0
